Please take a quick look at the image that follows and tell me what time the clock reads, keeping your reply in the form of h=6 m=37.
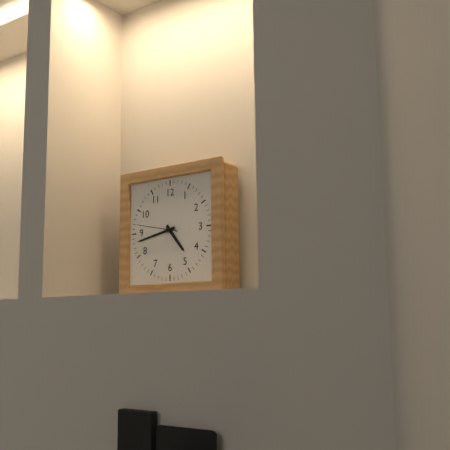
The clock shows h=4 m=43
